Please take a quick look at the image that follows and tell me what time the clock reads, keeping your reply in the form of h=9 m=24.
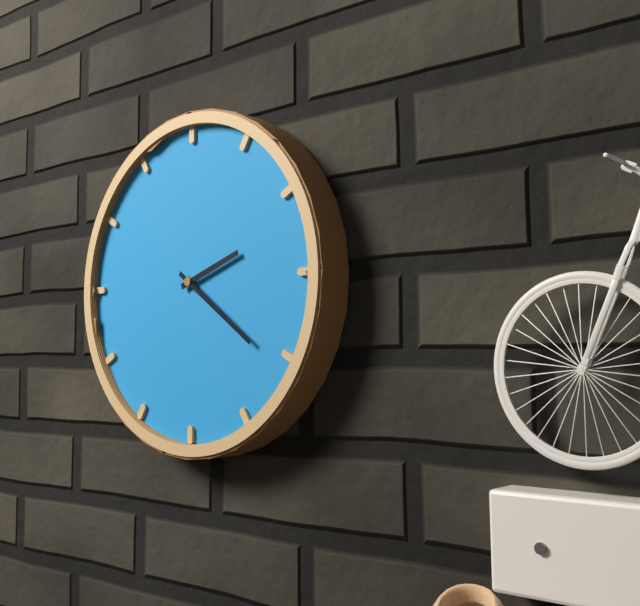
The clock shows h=2 m=21
